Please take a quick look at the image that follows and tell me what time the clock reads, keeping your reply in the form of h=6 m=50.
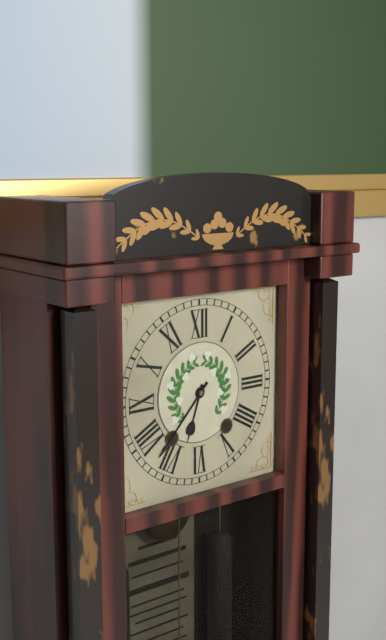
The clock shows h=6 m=37
